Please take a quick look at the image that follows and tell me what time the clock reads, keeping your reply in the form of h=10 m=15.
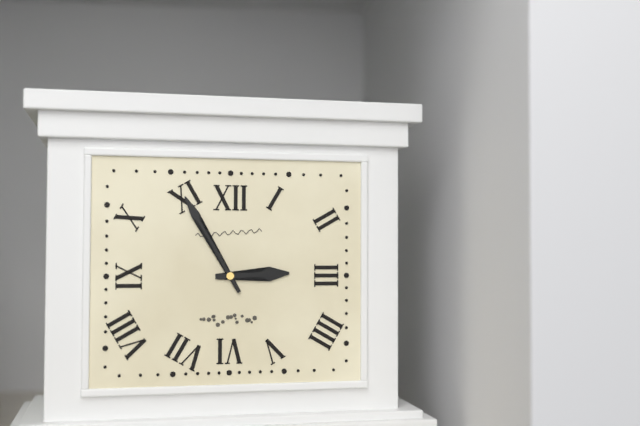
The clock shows h=2 m=55
